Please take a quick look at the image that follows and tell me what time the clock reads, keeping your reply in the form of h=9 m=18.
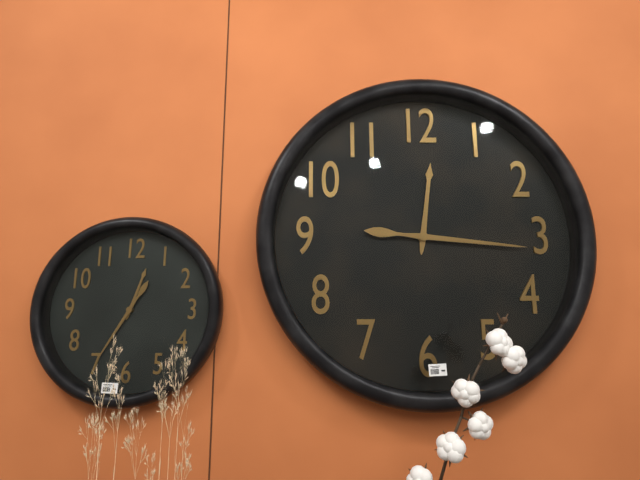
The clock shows h=12 m=16
